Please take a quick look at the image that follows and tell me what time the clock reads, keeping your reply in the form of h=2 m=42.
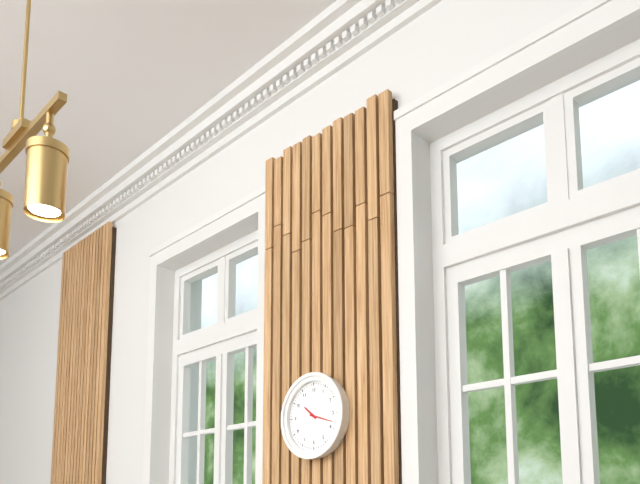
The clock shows h=10 m=18
